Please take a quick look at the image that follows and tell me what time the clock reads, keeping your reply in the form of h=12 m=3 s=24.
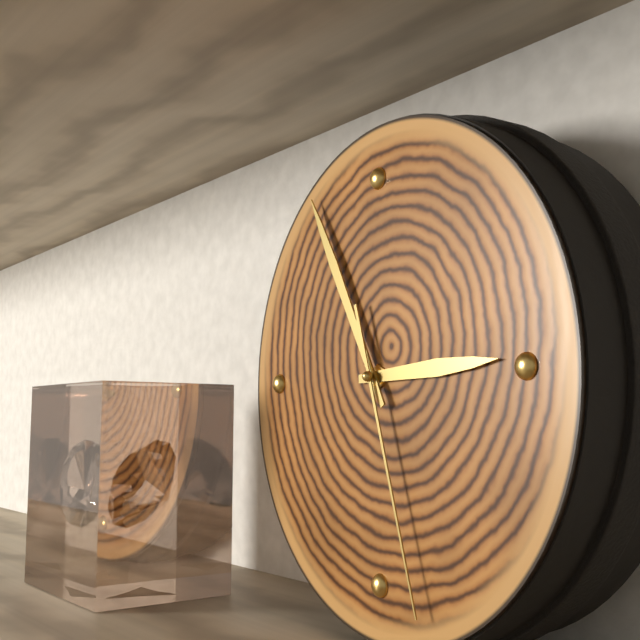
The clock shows h=2 m=55 s=27
